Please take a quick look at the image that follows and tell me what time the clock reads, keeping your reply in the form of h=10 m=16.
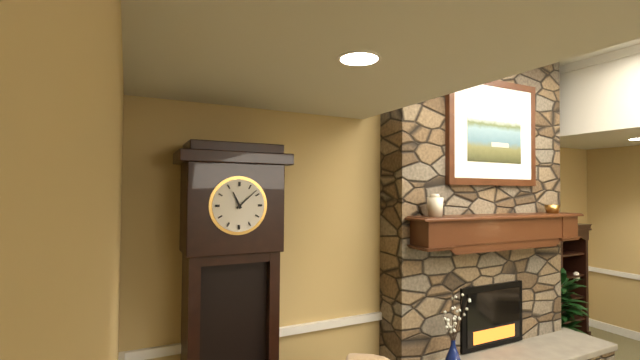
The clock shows h=11 m=8
